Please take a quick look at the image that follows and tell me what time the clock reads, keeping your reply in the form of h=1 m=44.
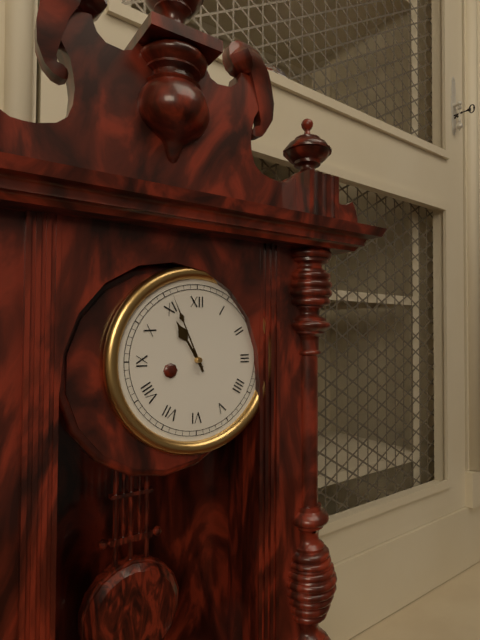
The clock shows h=10 m=56
